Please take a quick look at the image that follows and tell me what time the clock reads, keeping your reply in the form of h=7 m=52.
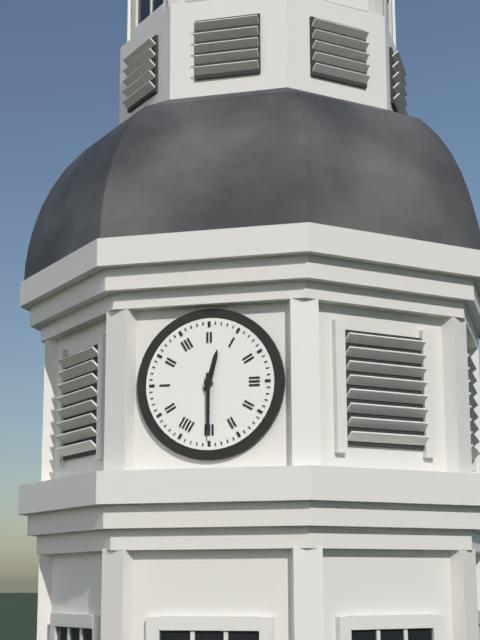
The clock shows h=12 m=30
